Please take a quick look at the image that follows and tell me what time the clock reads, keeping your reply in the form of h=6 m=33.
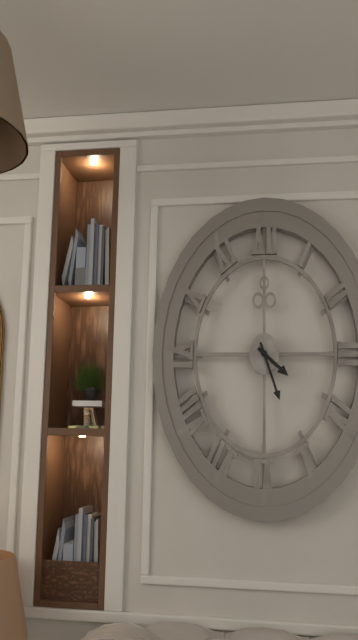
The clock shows h=4 m=27
